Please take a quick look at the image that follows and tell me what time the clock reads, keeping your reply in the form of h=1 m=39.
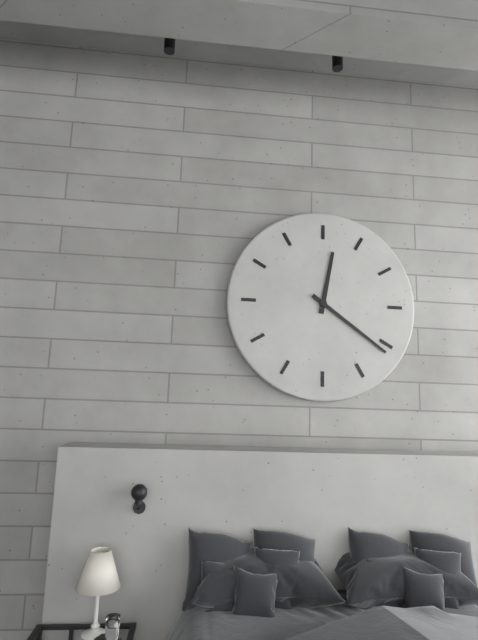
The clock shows h=12 m=21
